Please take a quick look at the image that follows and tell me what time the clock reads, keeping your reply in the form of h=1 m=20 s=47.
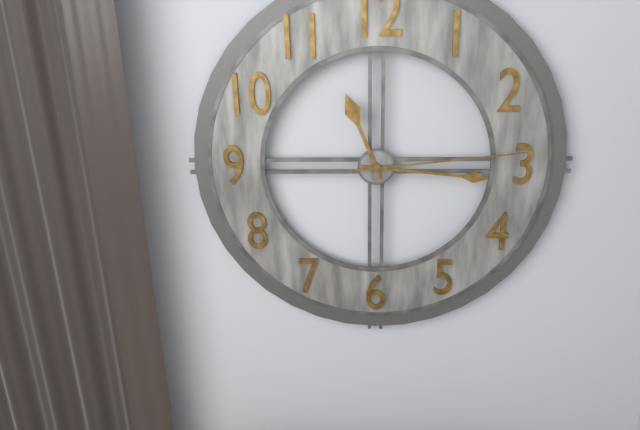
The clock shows h=11 m=16 s=14
